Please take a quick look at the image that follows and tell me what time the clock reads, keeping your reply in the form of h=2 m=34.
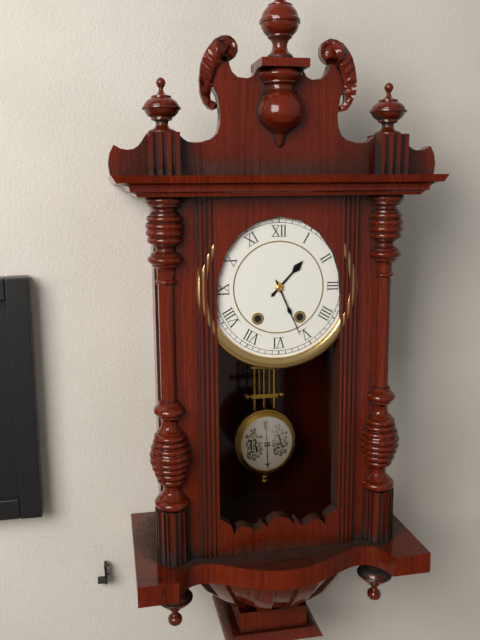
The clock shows h=1 m=26
